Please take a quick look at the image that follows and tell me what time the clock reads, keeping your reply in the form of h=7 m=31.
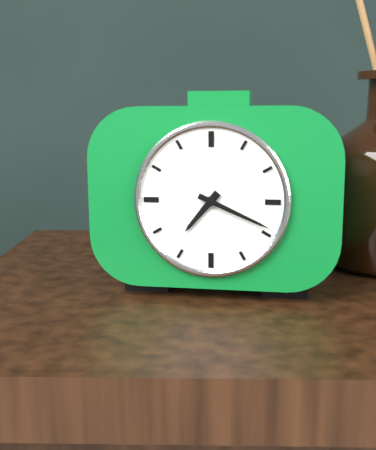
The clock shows h=7 m=19
